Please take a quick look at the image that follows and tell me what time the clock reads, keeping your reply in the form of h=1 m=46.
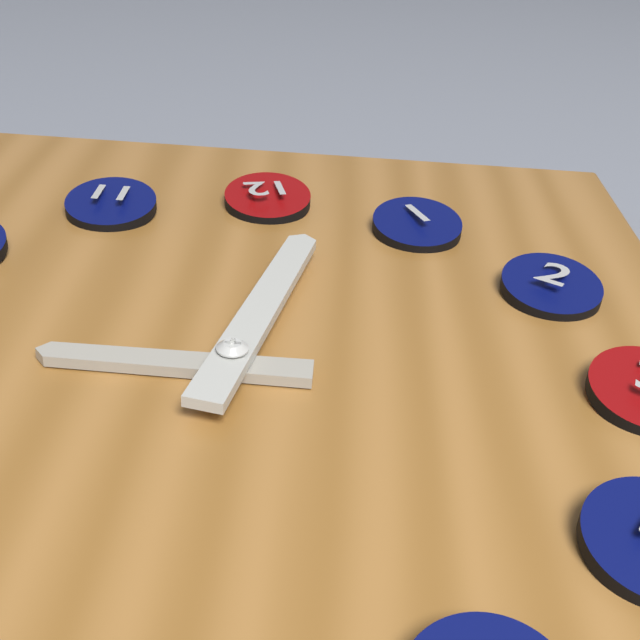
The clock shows h=9 m=2
